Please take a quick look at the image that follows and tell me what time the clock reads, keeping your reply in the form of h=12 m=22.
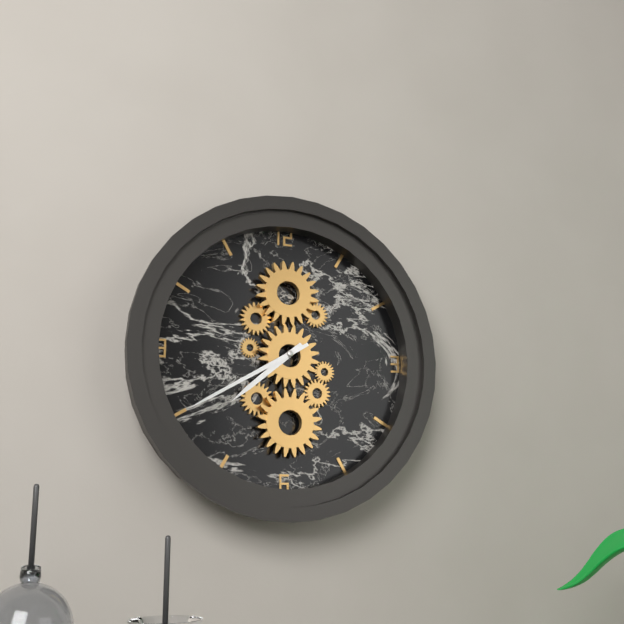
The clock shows h=7 m=40
